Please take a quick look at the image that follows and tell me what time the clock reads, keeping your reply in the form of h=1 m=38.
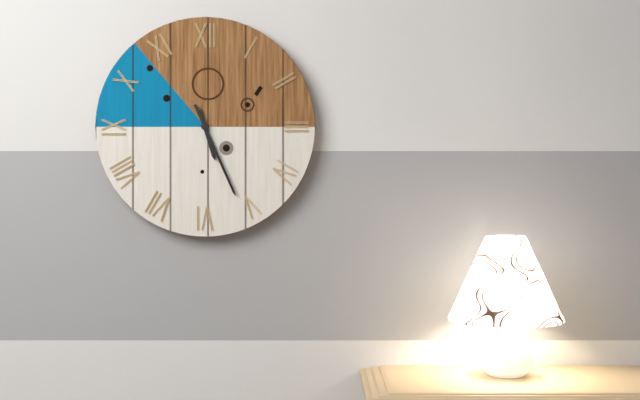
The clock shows h=5 m=26
